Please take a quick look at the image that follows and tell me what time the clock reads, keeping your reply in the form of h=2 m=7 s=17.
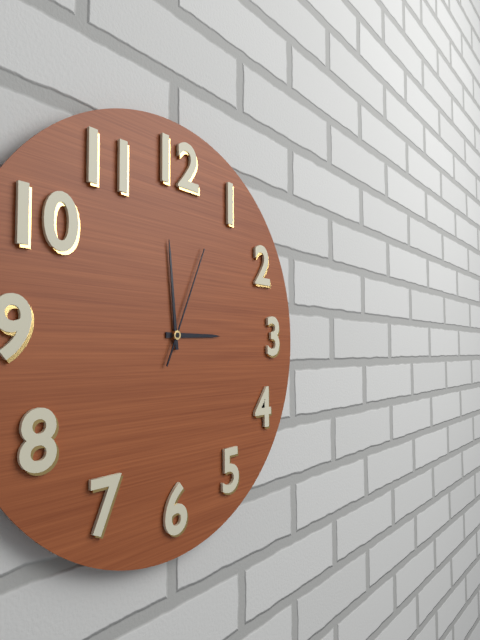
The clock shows h=2 m=59 s=4
